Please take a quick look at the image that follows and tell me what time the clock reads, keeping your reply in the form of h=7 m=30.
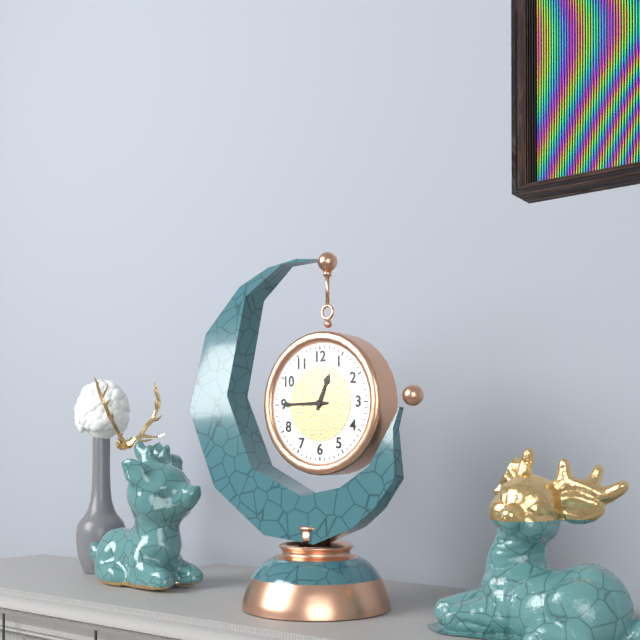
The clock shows h=12 m=45
